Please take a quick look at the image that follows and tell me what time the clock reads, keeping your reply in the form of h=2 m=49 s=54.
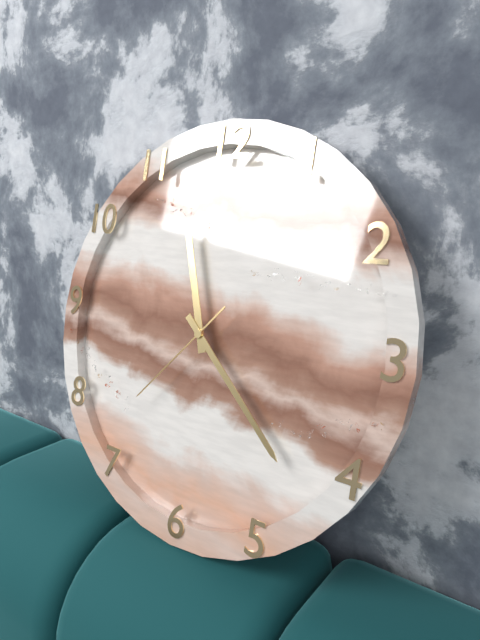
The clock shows h=11 m=22 s=37
